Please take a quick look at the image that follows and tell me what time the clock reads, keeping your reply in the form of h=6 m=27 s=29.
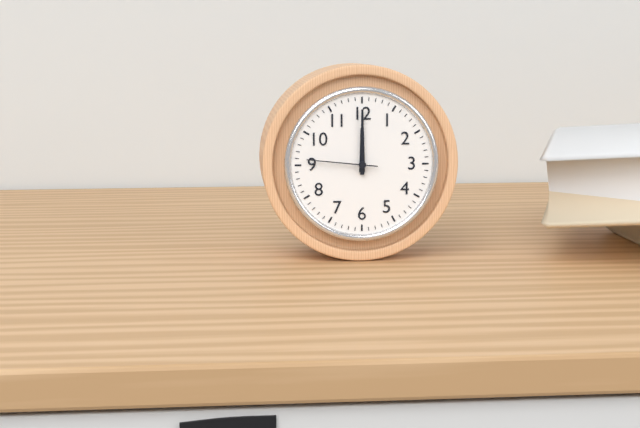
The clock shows h=12 m=0 s=46
